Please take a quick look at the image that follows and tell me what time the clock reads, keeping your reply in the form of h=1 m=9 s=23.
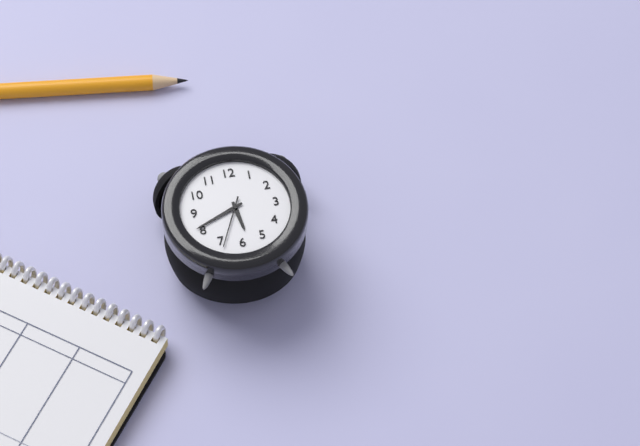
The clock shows h=5 m=41 s=34
